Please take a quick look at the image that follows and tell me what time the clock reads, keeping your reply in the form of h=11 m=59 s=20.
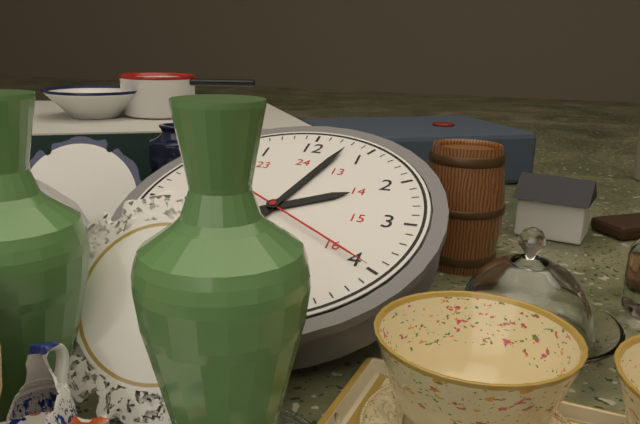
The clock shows h=2 m=3 s=20
